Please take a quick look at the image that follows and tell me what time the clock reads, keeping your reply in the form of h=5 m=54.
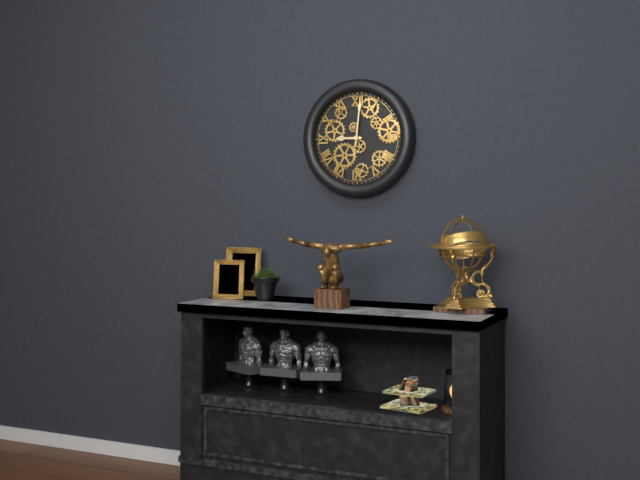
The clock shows h=9 m=1
